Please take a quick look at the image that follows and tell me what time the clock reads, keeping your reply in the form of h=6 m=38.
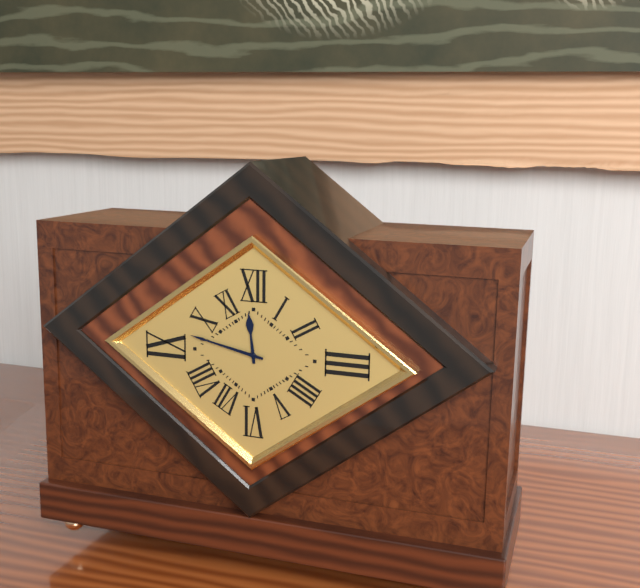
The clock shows h=11 m=47
